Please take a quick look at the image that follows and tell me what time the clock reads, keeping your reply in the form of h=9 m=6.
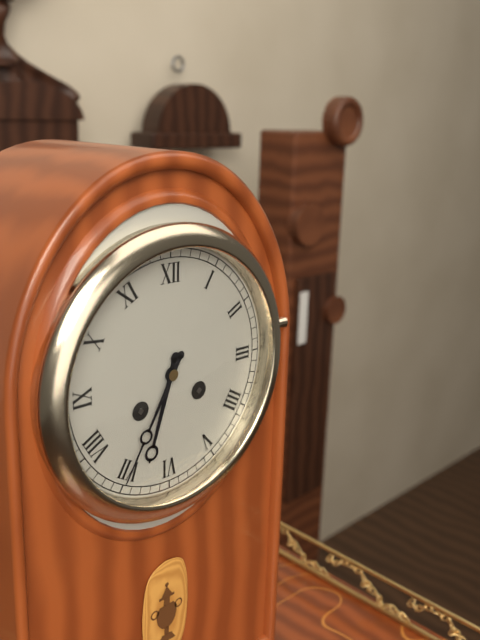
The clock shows h=6 m=35
